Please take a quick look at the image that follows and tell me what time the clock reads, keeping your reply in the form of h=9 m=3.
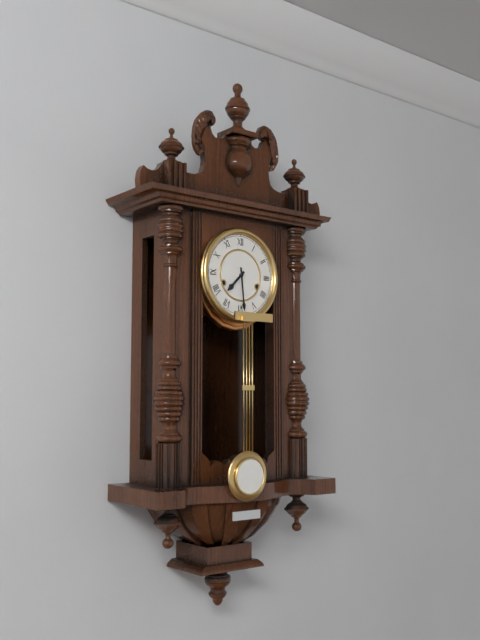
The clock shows h=7 m=29
